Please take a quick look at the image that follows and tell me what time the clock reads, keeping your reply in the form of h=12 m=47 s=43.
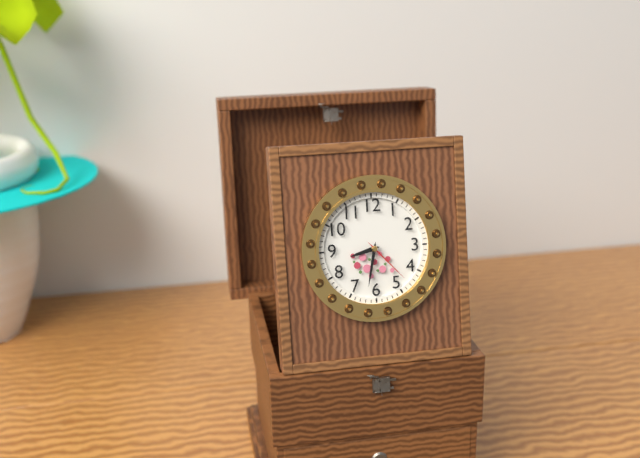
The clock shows h=8 m=32 s=23
